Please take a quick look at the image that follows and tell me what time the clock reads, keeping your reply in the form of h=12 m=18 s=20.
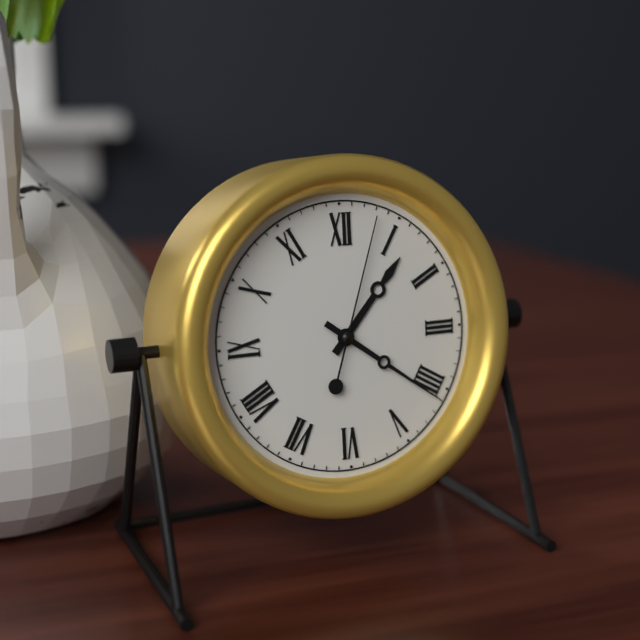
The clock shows h=1 m=21 s=3
